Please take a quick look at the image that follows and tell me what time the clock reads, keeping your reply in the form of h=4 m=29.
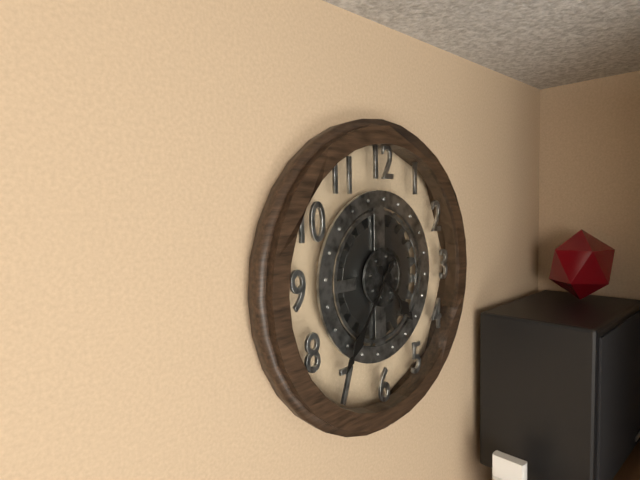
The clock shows h=4 m=36
